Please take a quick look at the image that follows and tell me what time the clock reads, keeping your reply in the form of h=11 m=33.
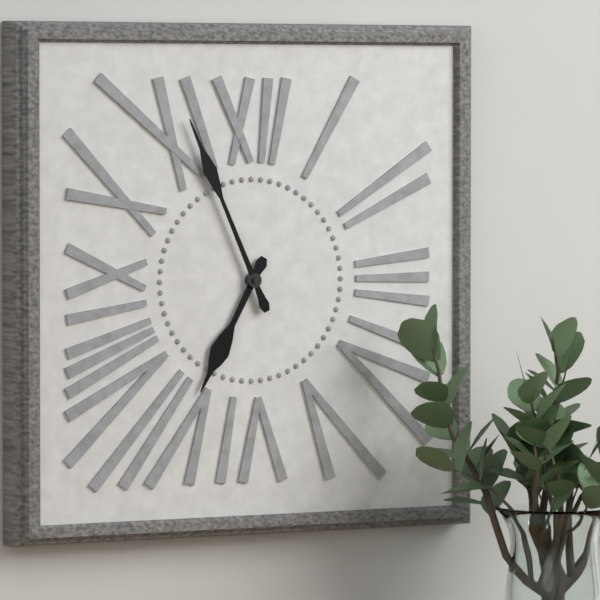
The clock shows h=6 m=56
